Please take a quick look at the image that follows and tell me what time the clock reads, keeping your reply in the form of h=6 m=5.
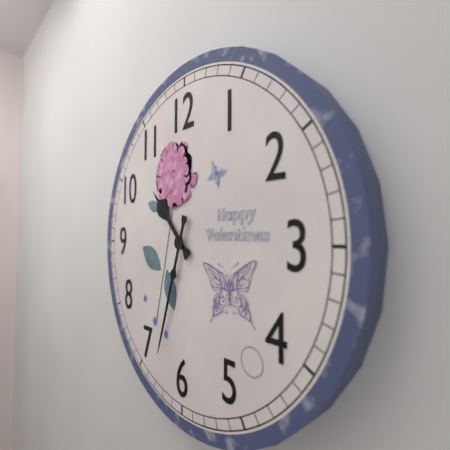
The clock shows h=10 m=33
